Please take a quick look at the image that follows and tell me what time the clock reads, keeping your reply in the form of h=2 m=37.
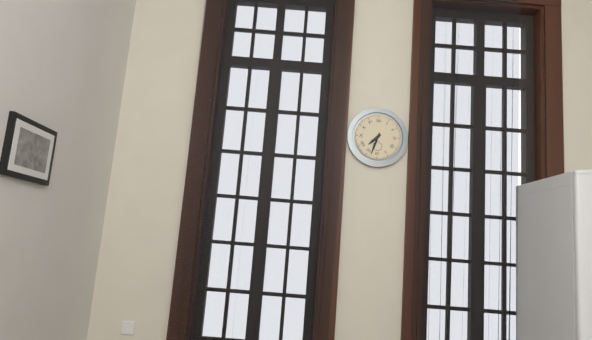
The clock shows h=7 m=33
